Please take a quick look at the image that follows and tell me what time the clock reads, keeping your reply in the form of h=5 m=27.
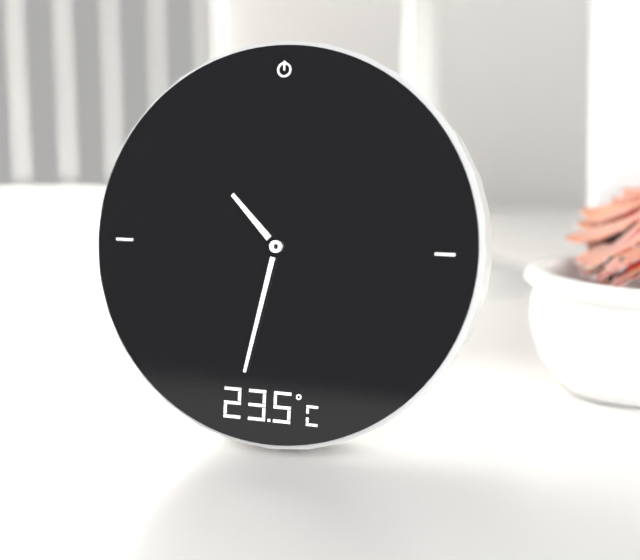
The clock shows h=10 m=32
